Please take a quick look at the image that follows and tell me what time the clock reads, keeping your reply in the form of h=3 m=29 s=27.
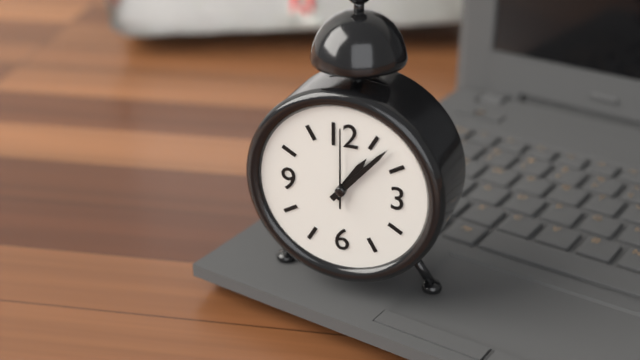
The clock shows h=1 m=7 s=0
